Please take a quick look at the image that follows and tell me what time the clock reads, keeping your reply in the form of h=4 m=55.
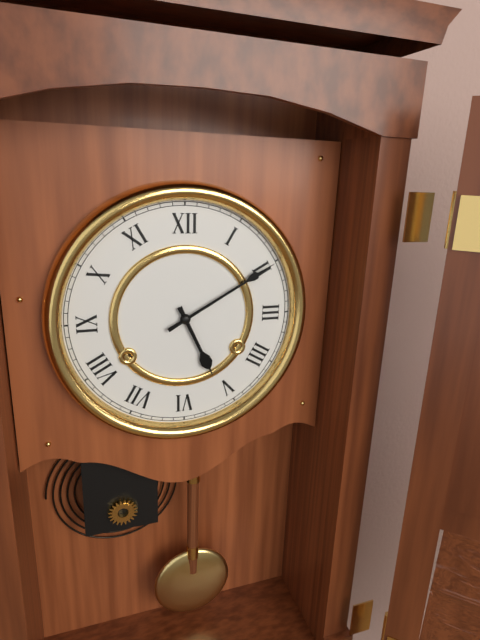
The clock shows h=5 m=10
